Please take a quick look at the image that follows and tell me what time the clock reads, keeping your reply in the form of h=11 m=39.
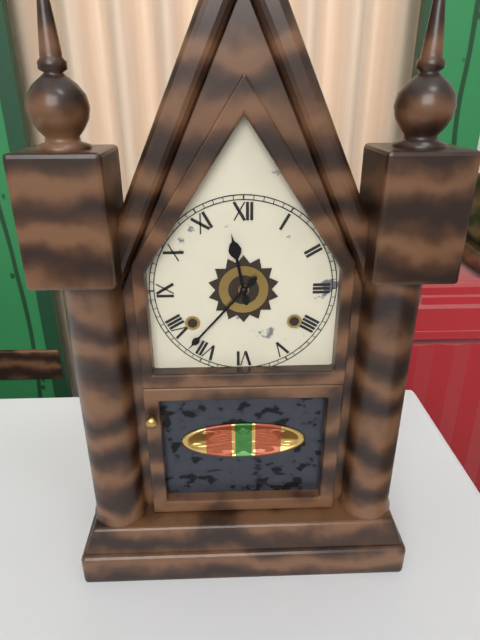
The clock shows h=11 m=37
